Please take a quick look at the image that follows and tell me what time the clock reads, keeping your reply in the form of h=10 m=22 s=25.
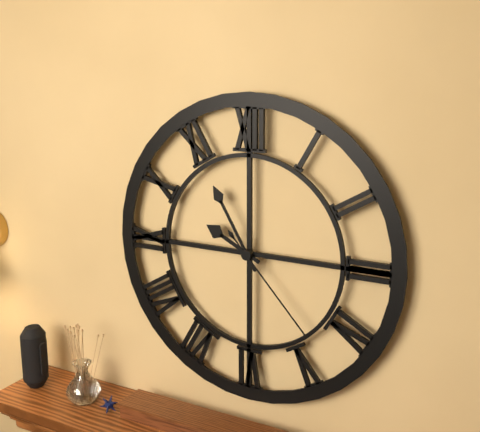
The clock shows h=9 m=55 s=23
